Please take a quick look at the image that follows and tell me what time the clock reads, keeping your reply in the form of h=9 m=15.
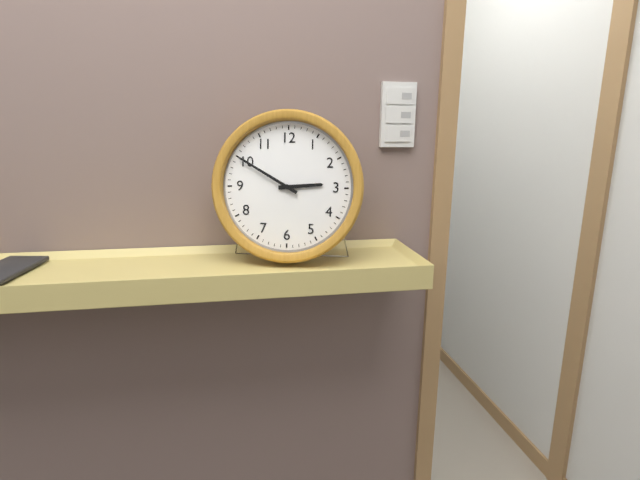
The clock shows h=2 m=50
